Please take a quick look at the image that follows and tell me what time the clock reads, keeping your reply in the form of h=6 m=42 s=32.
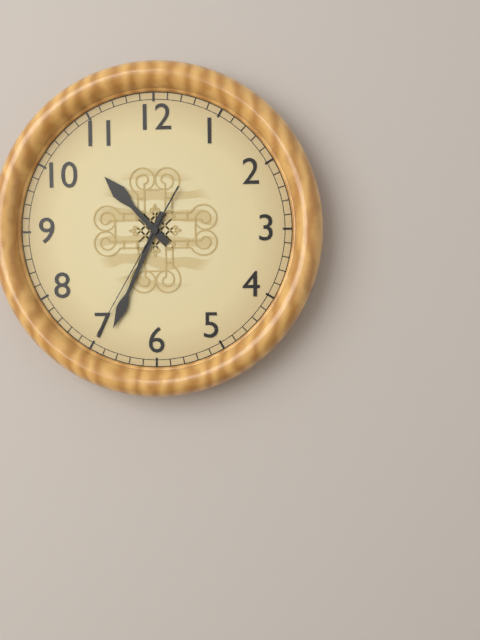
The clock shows h=10 m=34 s=35
